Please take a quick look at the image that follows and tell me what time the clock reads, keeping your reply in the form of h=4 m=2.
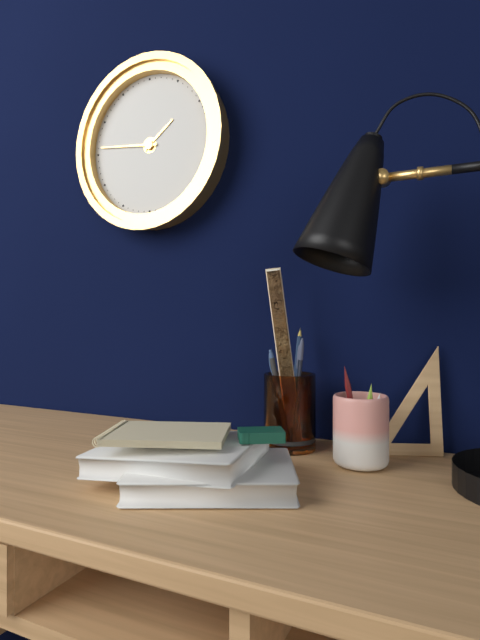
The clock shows h=1 m=46
